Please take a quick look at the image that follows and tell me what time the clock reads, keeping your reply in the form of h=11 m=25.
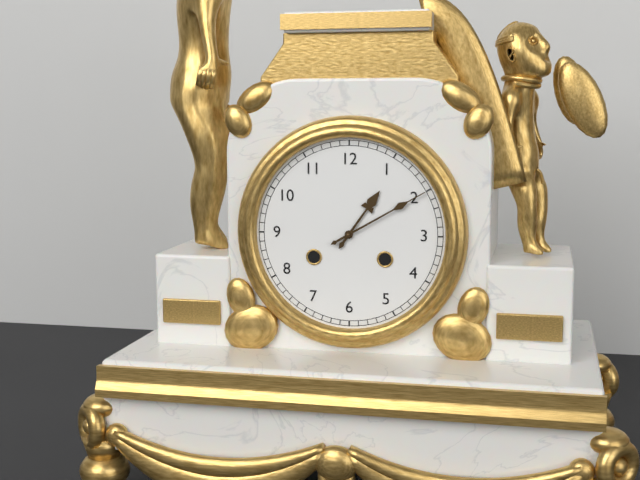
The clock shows h=1 m=10
